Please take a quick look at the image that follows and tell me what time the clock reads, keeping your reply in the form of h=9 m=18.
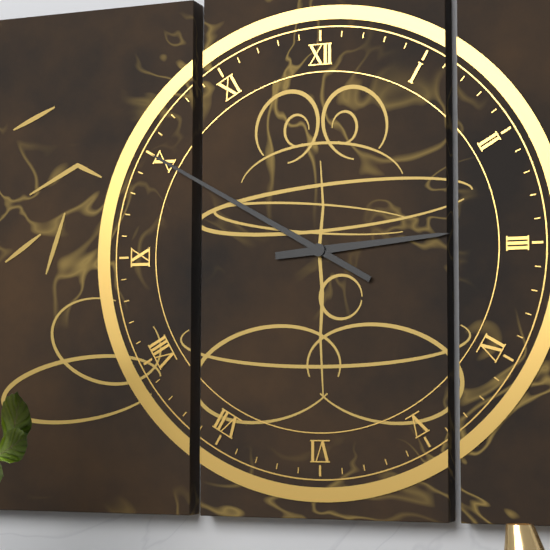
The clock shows h=2 m=50
